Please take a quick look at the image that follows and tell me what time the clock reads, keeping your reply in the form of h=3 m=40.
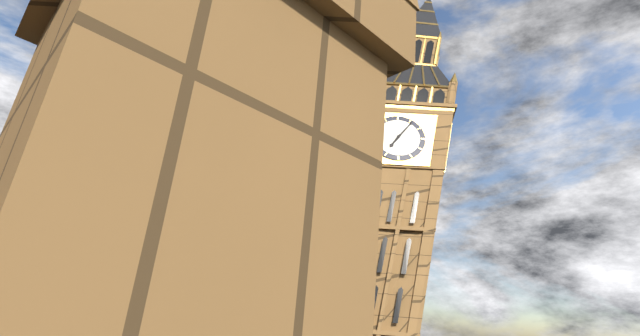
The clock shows h=7 m=6
